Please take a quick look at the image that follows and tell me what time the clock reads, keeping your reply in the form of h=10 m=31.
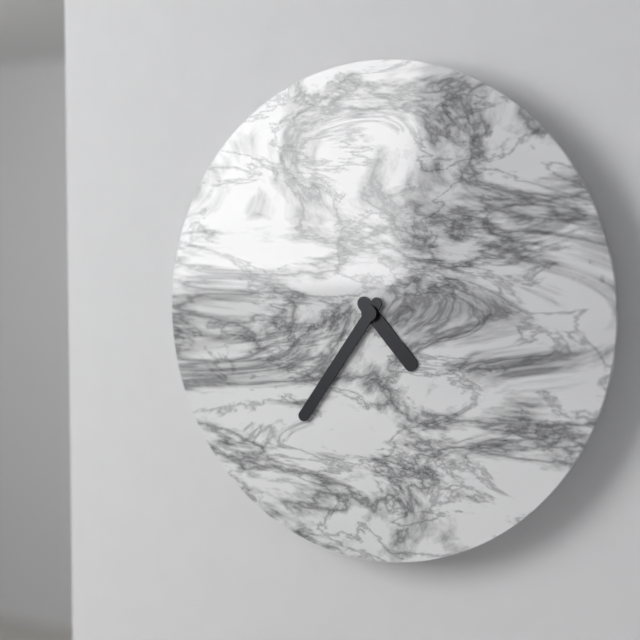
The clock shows h=4 m=36
